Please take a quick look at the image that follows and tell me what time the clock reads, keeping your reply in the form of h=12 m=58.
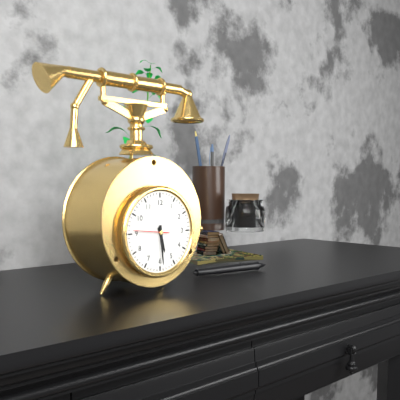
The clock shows h=5 m=29
